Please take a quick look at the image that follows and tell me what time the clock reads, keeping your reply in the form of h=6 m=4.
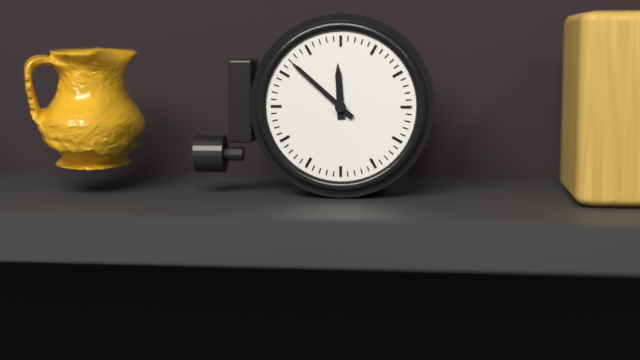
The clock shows h=11 m=52
